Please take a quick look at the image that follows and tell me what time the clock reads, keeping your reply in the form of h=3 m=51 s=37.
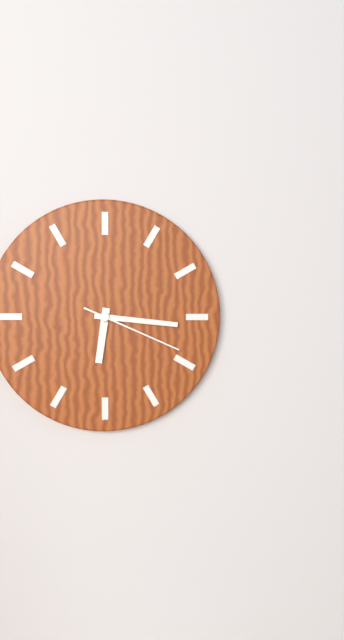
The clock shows h=6 m=16 s=19
